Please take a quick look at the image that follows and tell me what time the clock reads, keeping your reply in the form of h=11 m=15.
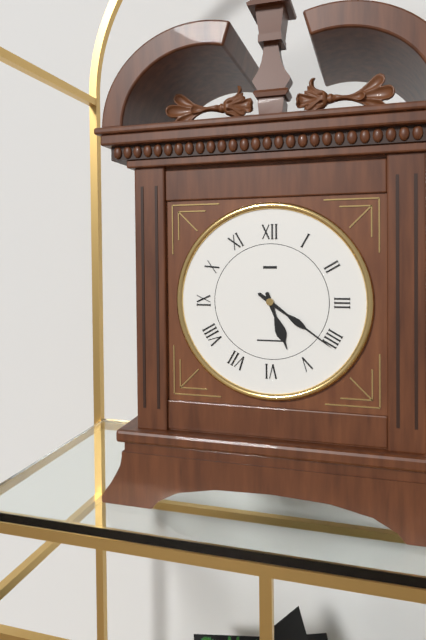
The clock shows h=5 m=21
